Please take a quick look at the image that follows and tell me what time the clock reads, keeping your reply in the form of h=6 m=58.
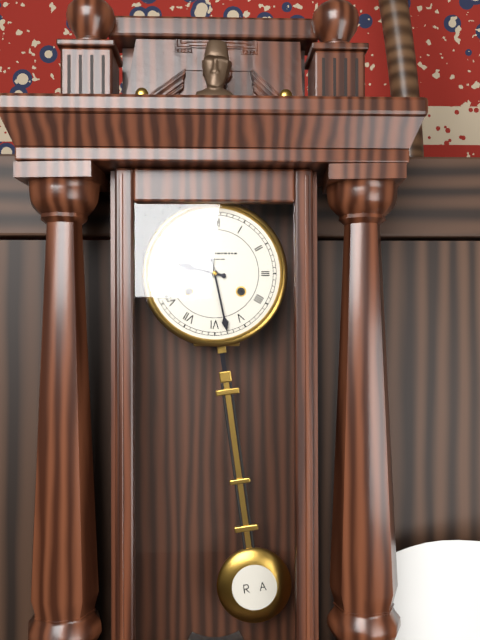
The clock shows h=9 m=28
